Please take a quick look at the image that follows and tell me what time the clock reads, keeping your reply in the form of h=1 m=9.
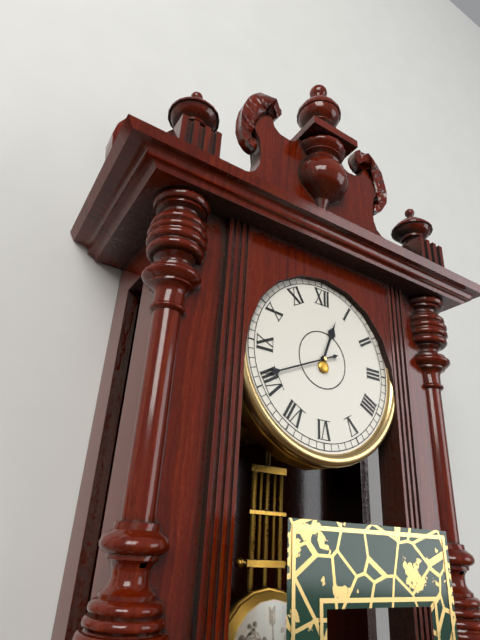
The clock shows h=12 m=41
